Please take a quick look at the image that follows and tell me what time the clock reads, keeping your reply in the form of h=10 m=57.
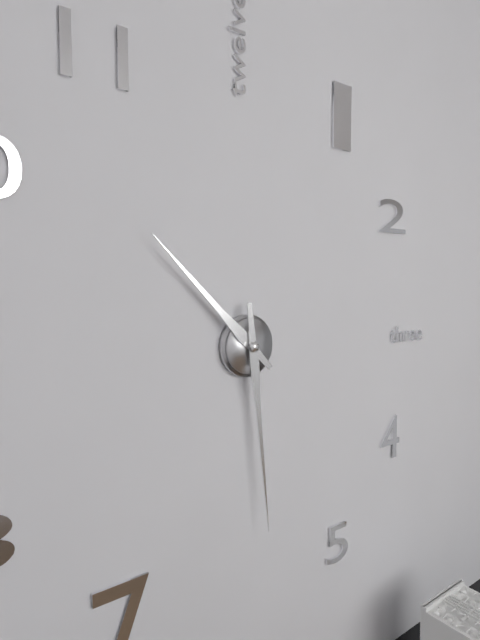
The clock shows h=10 m=29
